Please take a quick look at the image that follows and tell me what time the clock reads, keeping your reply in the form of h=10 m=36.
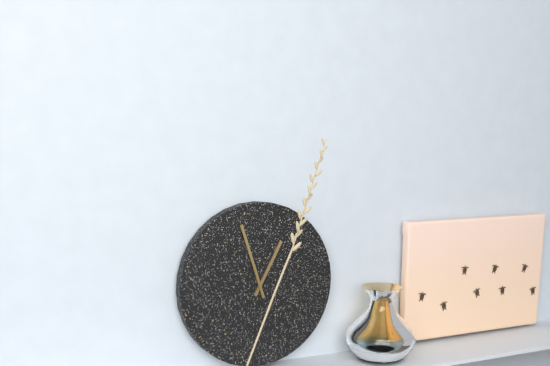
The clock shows h=12 m=57
